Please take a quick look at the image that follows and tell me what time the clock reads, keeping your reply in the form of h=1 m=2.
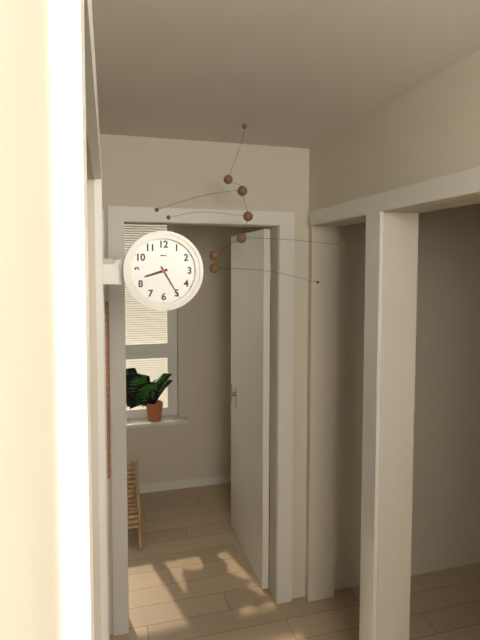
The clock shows h=8 m=25
